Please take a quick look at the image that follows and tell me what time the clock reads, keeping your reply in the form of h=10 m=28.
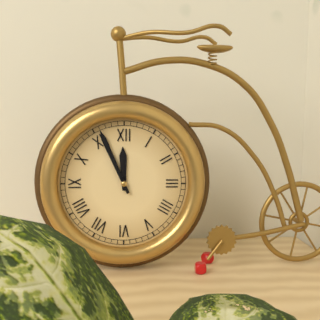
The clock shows h=11 m=56
